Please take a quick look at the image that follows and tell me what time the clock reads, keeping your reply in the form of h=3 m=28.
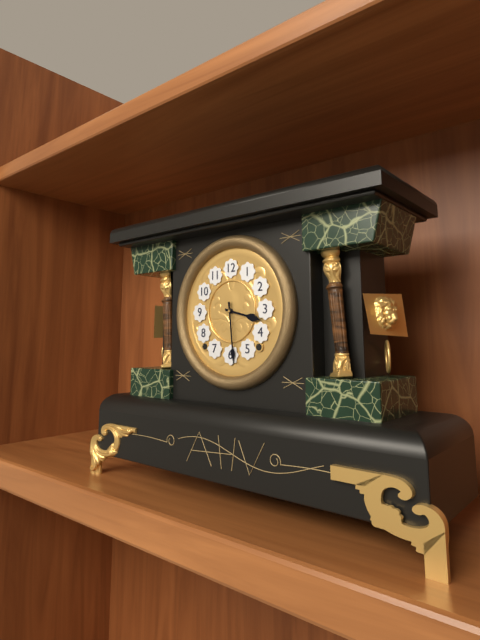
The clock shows h=3 m=29
